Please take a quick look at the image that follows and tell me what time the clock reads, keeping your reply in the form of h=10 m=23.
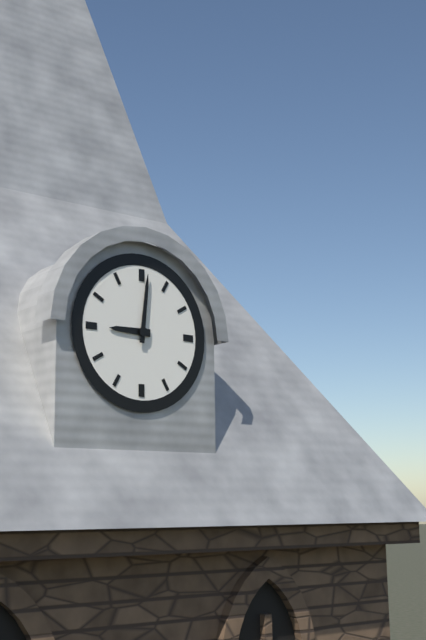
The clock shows h=9 m=1
